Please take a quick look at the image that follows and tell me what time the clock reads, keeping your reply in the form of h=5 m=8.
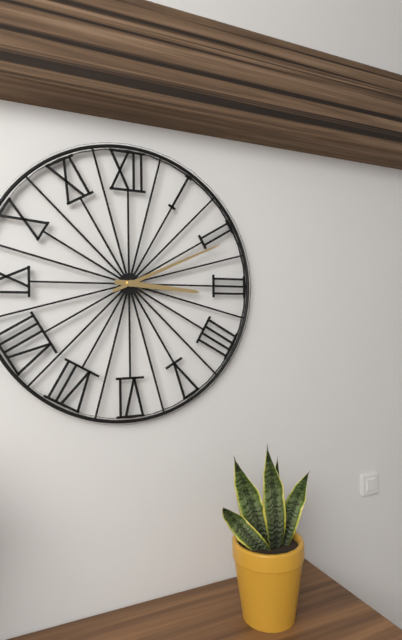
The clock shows h=3 m=11
